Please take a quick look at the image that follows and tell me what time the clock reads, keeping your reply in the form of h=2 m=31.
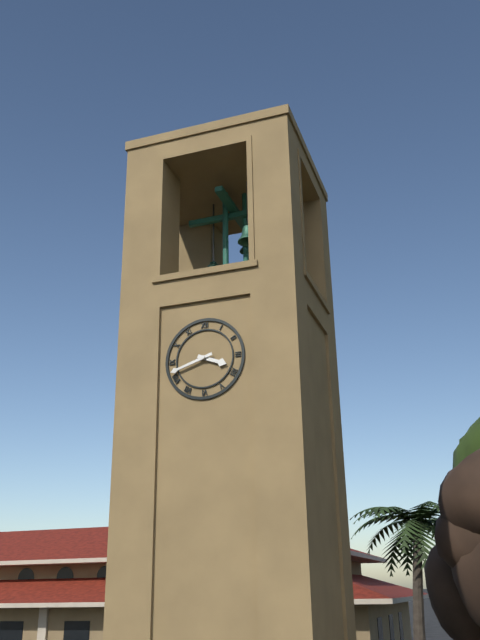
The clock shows h=3 m=42
